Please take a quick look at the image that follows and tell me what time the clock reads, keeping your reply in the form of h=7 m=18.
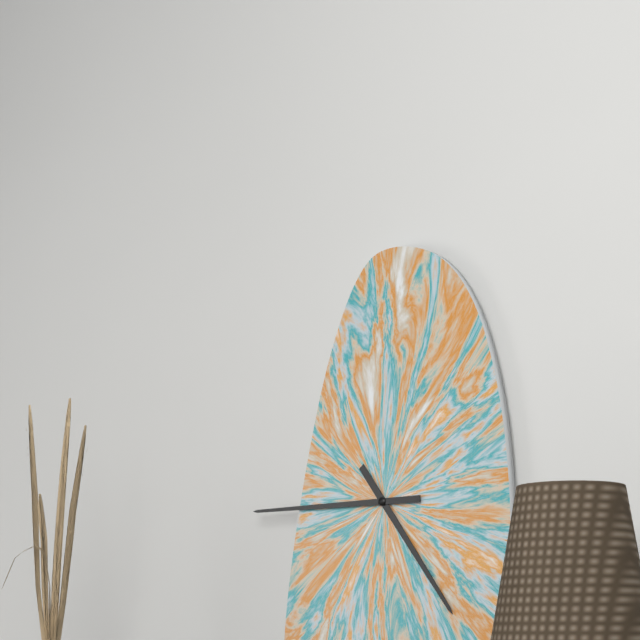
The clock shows h=4 m=45
